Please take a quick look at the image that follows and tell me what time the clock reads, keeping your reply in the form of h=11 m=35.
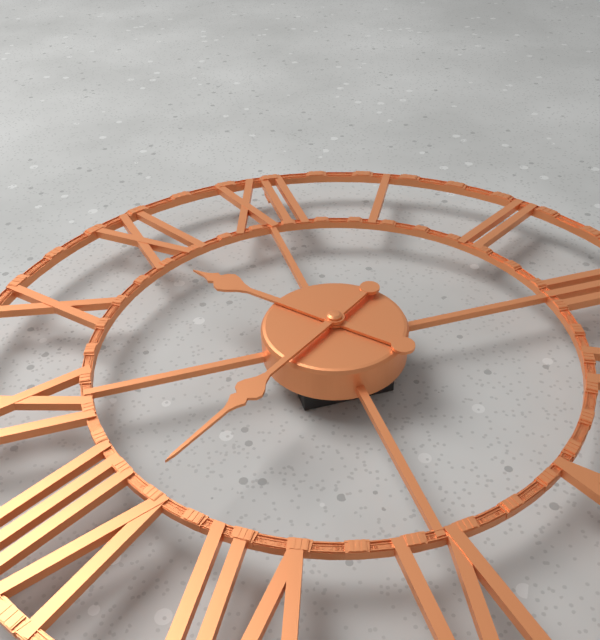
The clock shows h=10 m=39
